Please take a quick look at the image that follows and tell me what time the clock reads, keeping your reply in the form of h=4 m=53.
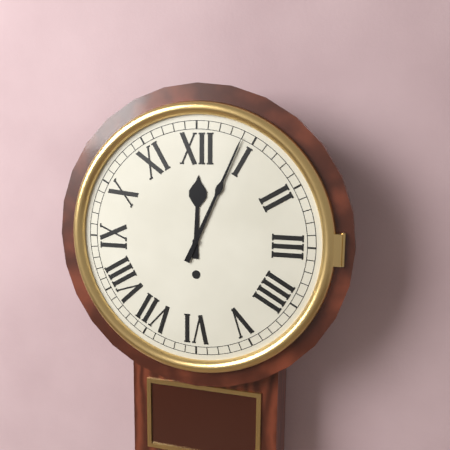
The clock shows h=12 m=4
